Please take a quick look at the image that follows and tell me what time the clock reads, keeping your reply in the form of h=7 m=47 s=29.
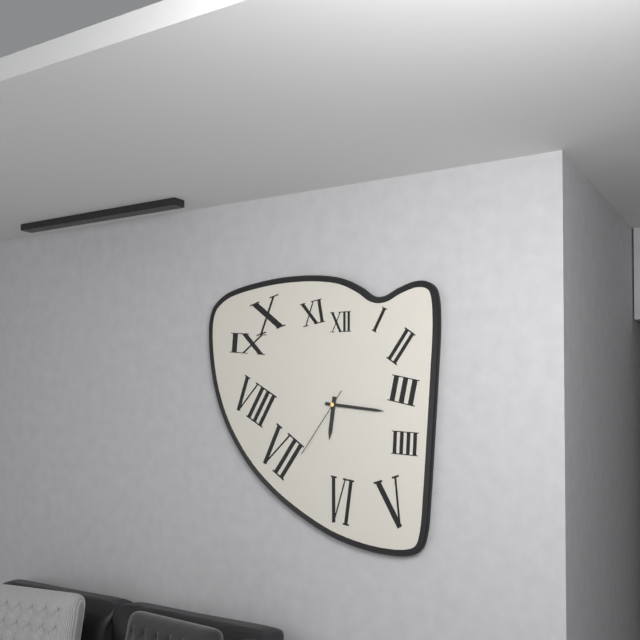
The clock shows h=6 m=16 s=36
